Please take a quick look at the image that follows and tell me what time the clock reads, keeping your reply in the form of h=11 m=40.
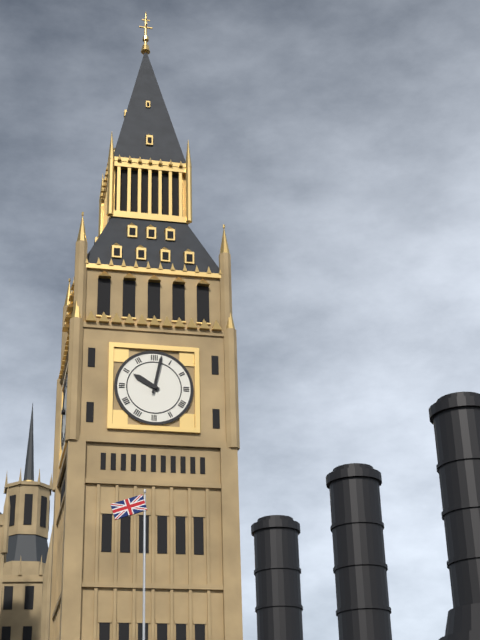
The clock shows h=10 m=2
